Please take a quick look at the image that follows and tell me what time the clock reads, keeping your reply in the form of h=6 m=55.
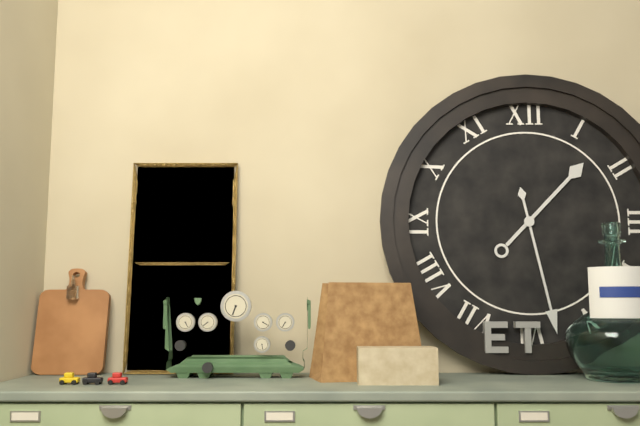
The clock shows h=1 m=28
